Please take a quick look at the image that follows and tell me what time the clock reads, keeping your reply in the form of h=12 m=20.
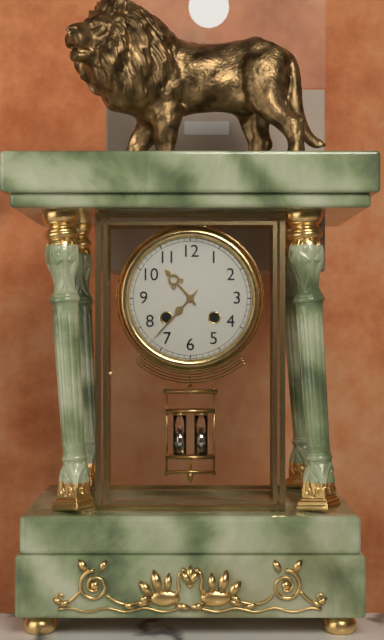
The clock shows h=10 m=37
